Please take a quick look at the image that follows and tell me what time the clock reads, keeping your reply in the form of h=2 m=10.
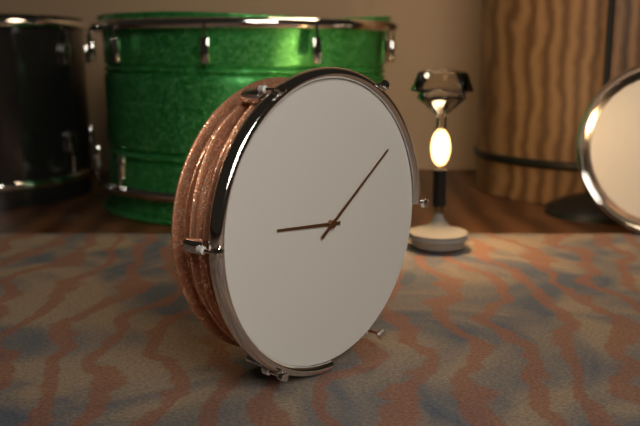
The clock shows h=9 m=9
